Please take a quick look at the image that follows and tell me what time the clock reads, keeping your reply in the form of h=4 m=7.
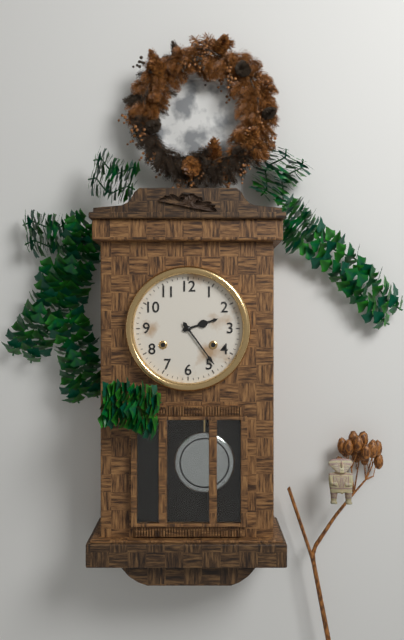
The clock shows h=2 m=24
